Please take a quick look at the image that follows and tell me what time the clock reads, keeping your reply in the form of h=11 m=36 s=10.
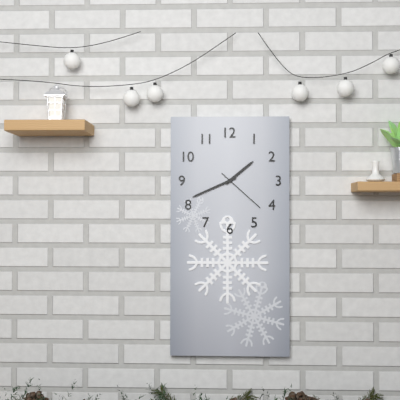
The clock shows h=1 m=41 s=22
